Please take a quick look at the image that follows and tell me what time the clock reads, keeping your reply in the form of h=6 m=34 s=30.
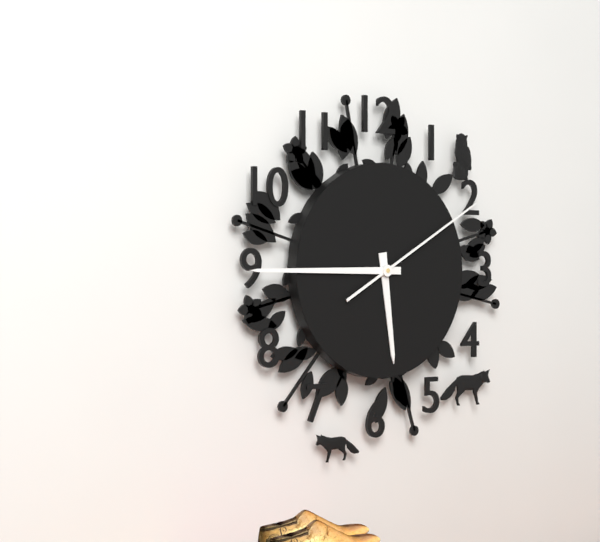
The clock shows h=5 m=45 s=10
